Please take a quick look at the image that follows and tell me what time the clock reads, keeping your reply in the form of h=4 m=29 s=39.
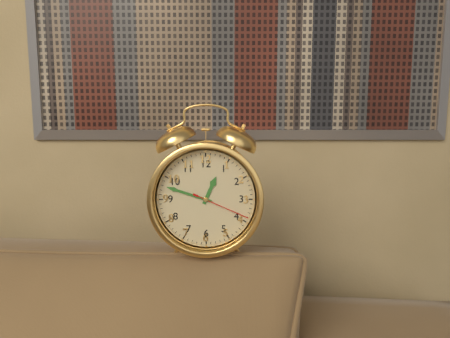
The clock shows h=12 m=48 s=19
